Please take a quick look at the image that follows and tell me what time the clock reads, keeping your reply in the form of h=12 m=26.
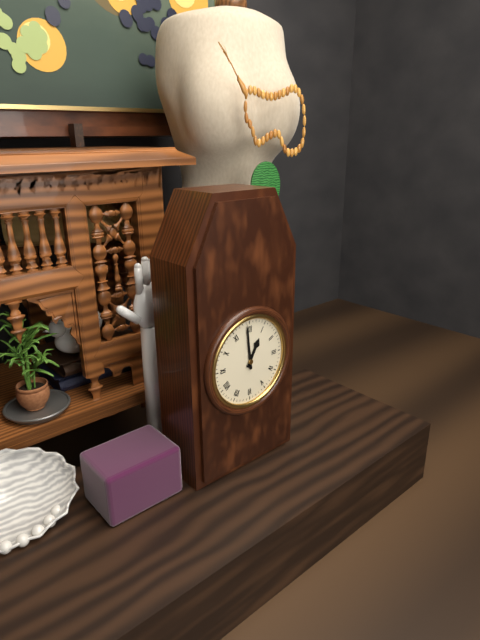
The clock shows h=12 m=59
